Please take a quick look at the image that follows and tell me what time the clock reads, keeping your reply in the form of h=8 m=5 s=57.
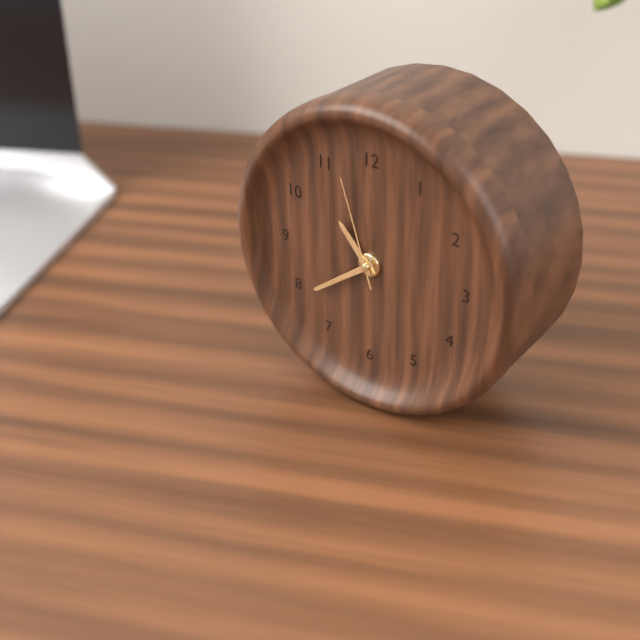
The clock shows h=10 m=39 s=57
